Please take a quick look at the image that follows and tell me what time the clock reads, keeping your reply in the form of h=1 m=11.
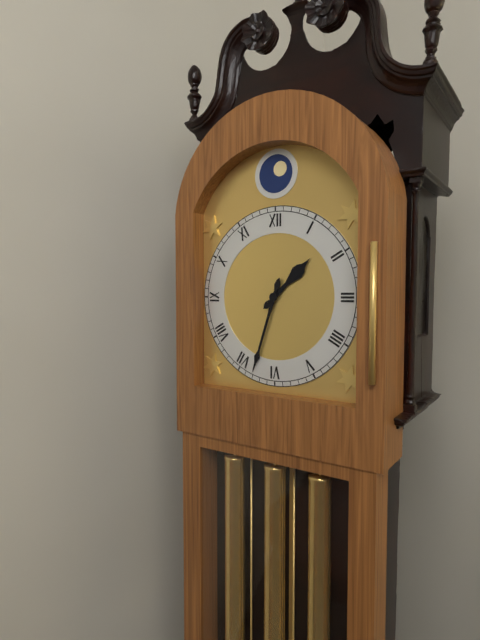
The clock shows h=1 m=33
